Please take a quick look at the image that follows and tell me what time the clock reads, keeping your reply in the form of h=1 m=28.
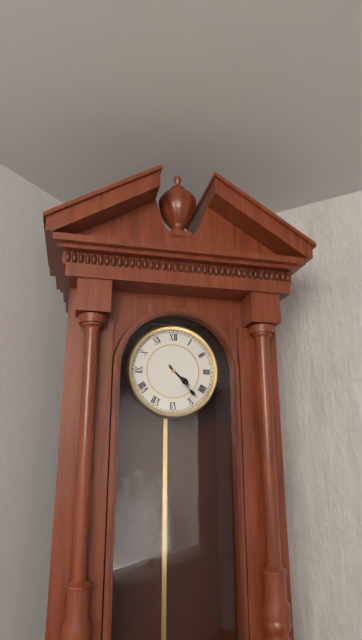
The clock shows h=4 m=23
